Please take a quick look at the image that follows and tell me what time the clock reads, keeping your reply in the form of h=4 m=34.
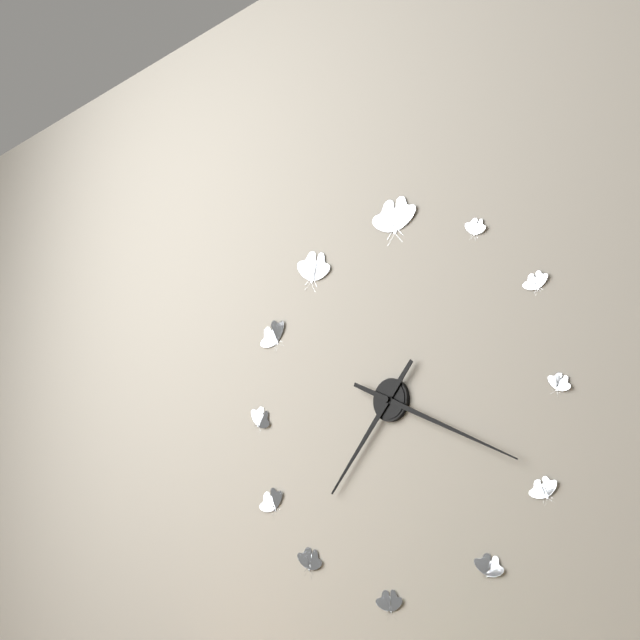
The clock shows h=7 m=19
